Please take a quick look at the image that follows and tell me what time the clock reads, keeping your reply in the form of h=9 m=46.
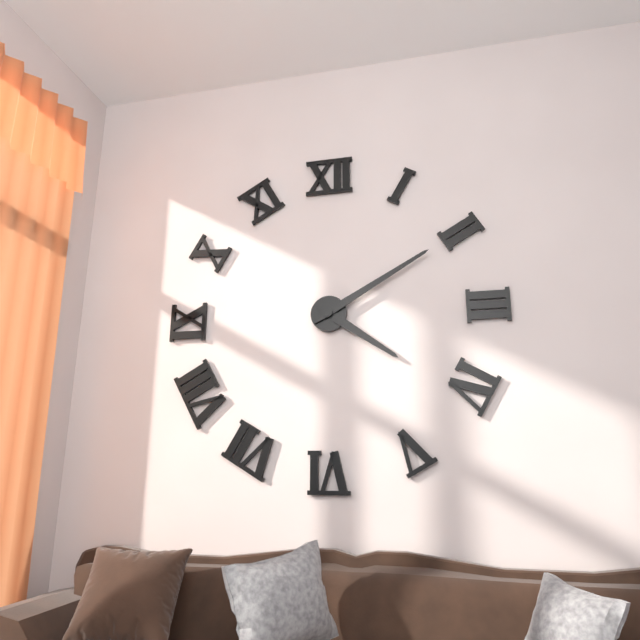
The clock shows h=4 m=10
